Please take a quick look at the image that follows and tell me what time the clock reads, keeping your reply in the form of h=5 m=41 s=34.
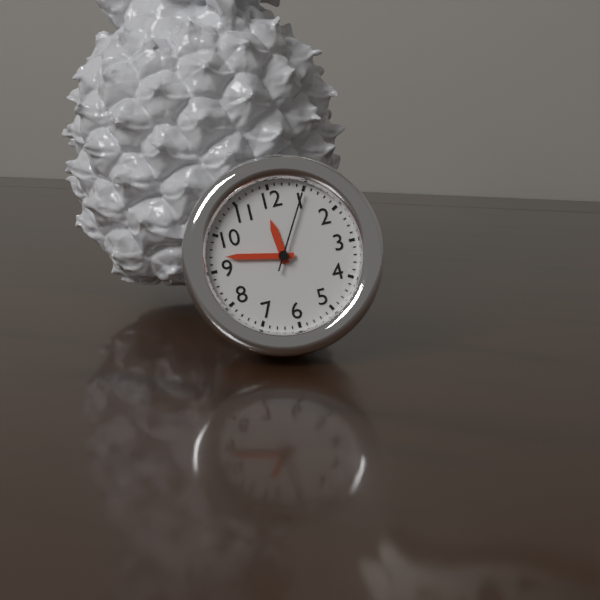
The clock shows h=11 m=47 s=5
